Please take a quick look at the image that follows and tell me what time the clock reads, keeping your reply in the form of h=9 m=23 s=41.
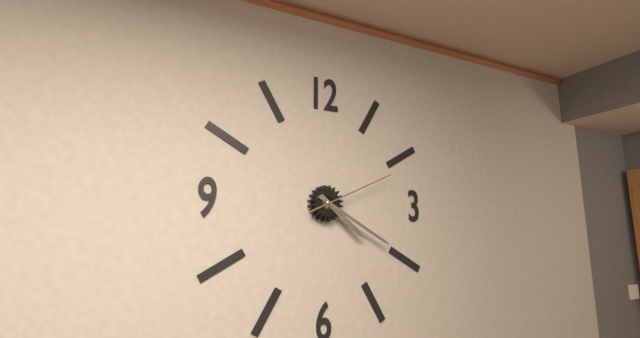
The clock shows h=4 m=20 s=11
